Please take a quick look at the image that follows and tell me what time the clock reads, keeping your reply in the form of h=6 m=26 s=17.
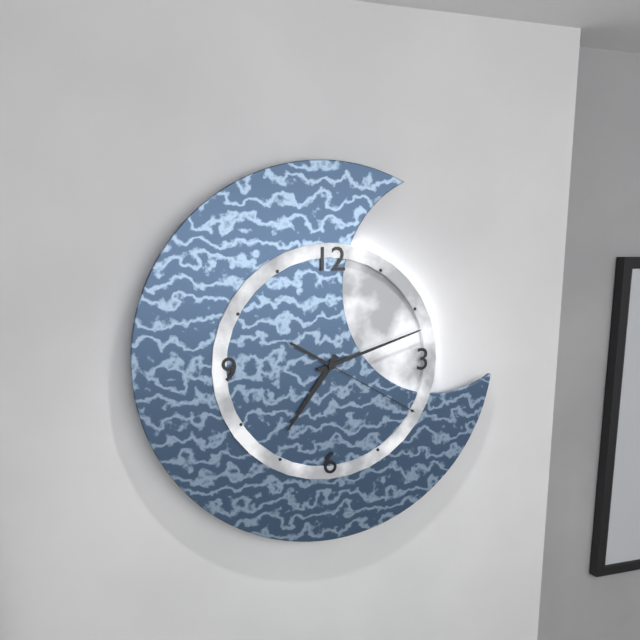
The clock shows h=7 m=12 s=20
